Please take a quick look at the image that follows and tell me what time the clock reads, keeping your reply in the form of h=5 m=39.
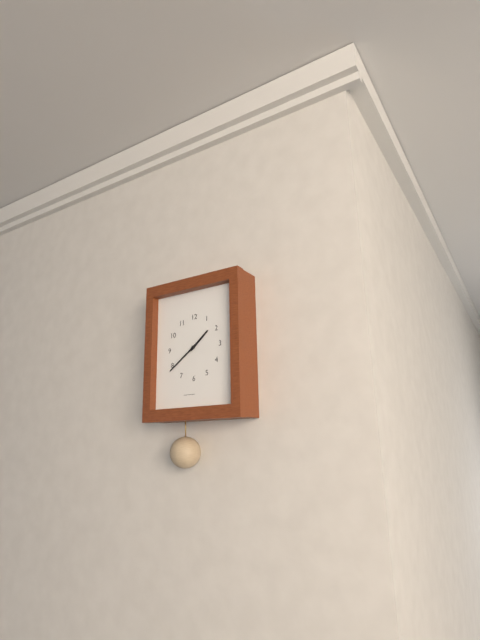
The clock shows h=1 m=39
